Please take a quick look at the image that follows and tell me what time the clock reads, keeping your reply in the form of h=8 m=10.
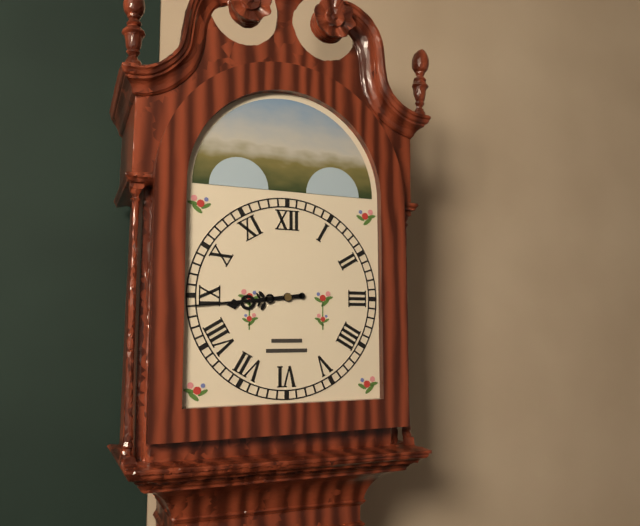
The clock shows h=8 m=44
